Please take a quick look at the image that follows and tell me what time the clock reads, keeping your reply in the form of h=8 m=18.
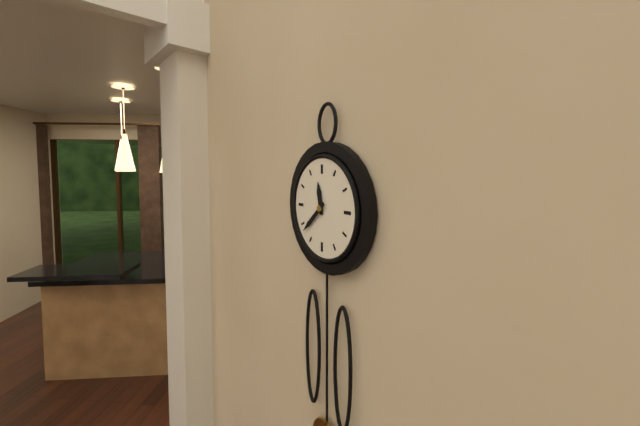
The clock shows h=11 m=38
